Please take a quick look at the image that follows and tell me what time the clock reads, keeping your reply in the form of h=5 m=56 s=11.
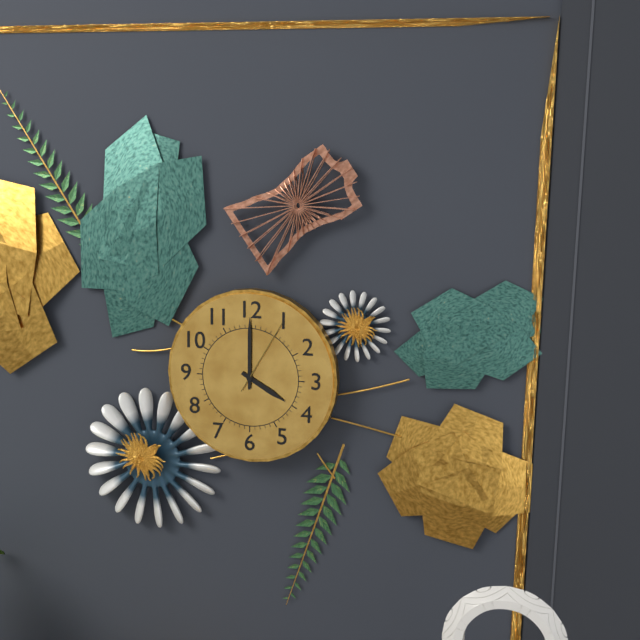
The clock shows h=4 m=0 s=5
